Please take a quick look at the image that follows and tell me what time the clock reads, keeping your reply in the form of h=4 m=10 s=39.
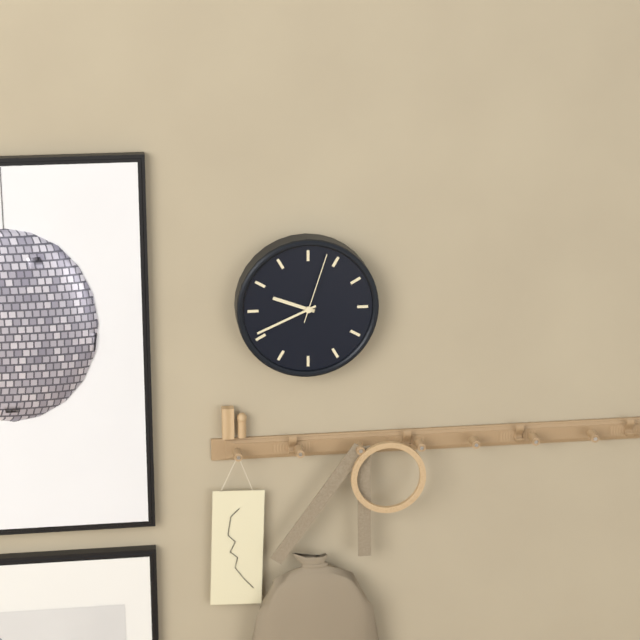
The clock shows h=9 m=41 s=3
